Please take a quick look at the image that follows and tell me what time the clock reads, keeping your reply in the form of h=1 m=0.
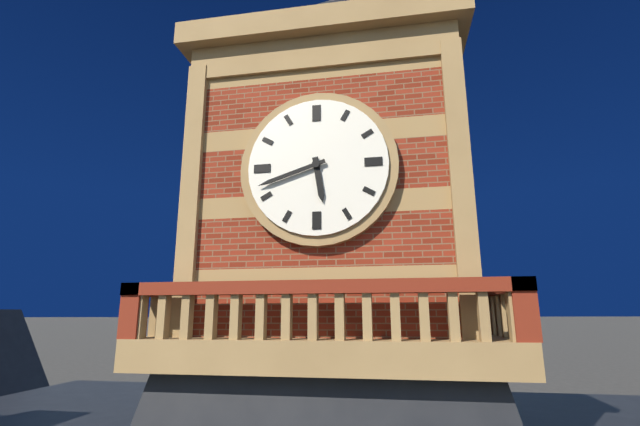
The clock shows h=5 m=42
